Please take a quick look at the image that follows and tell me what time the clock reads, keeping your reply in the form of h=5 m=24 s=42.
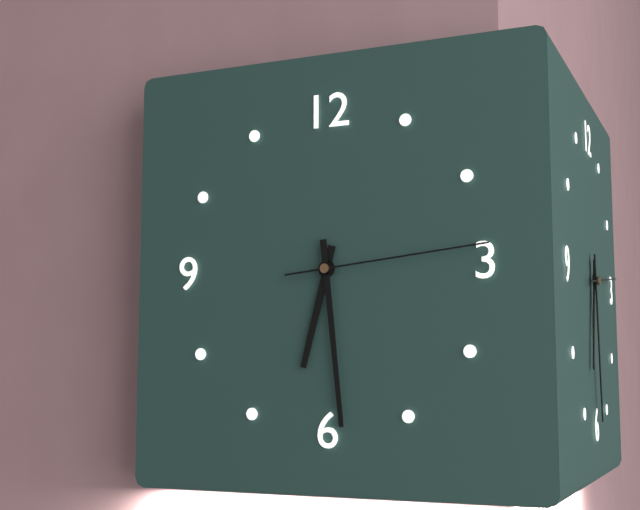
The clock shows h=6 m=29 s=14
